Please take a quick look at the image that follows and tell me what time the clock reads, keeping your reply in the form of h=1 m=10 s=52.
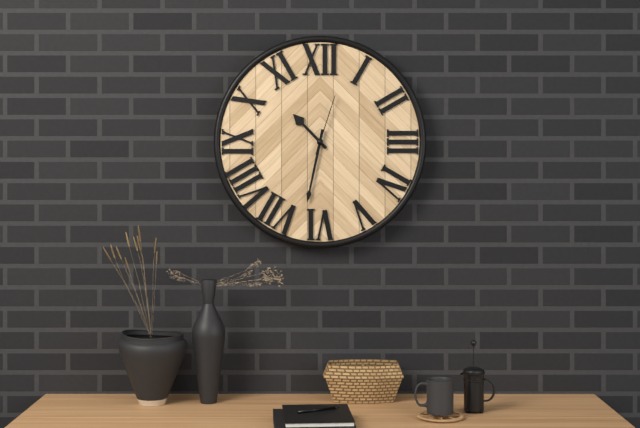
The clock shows h=10 m=32 s=3
